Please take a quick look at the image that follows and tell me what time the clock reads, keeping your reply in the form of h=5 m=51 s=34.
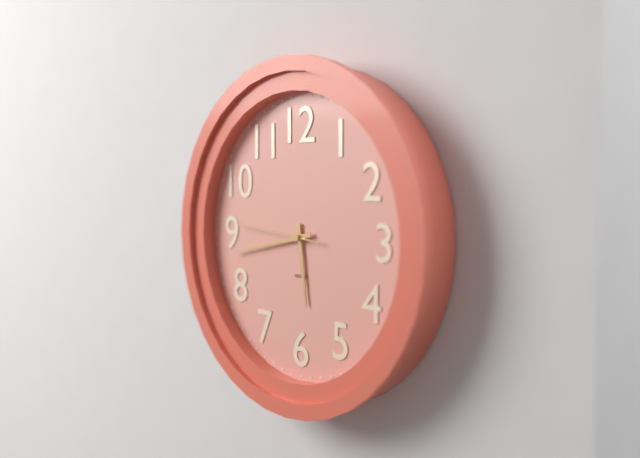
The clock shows h=5 m=43 s=46
